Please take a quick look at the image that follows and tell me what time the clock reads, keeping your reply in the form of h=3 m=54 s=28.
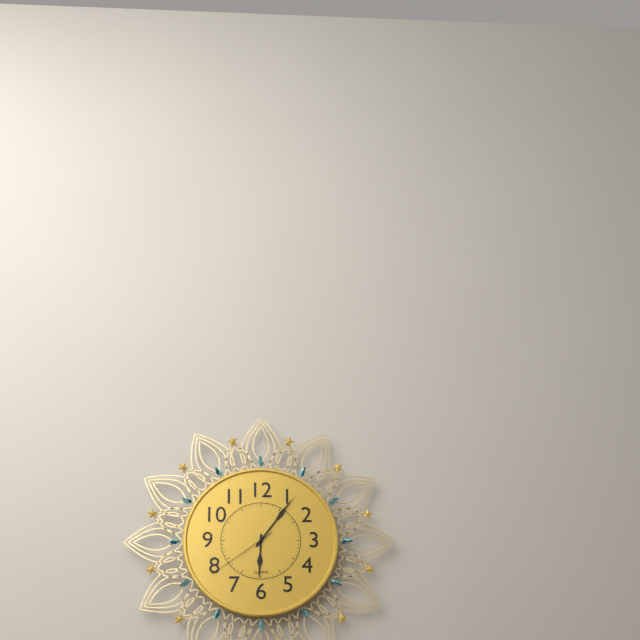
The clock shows h=6 m=6 s=39
